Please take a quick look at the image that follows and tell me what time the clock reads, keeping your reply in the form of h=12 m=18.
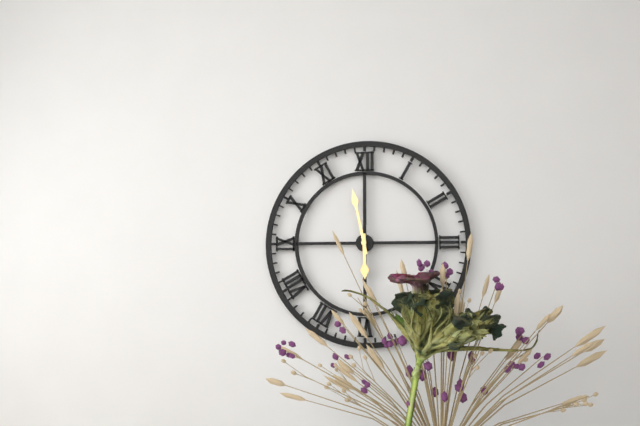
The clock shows h=5 m=58
